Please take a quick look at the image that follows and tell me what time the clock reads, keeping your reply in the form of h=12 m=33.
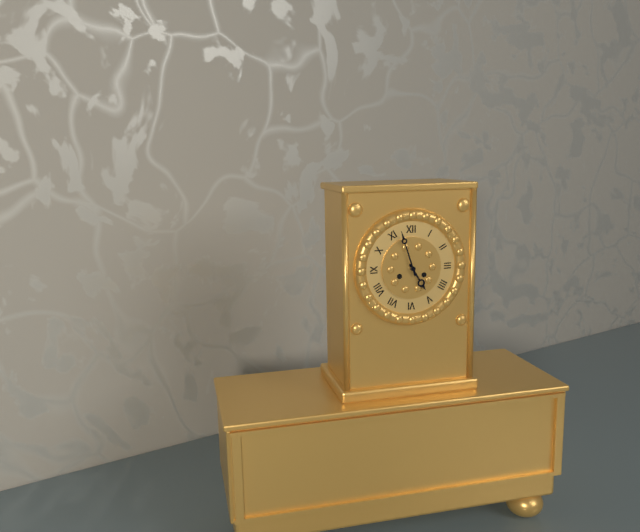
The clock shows h=4 m=57
